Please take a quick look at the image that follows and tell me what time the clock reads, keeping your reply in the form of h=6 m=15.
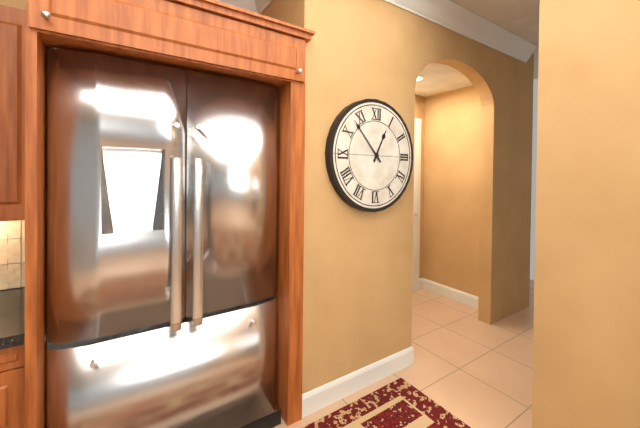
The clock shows h=12 m=53
